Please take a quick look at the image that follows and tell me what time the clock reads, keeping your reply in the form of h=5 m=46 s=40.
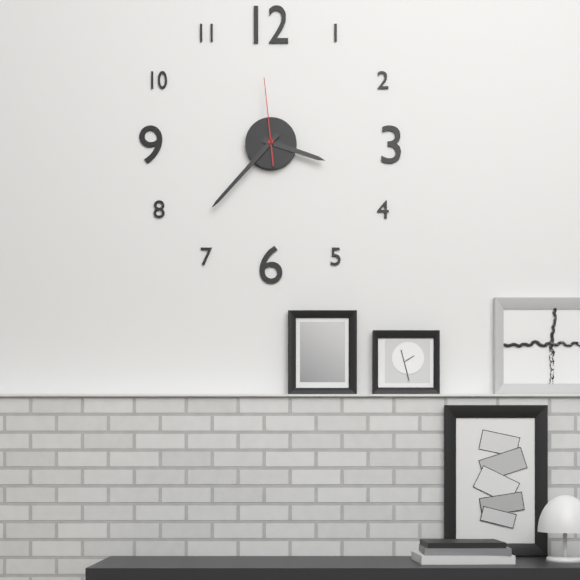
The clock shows h=3 m=37 s=59
